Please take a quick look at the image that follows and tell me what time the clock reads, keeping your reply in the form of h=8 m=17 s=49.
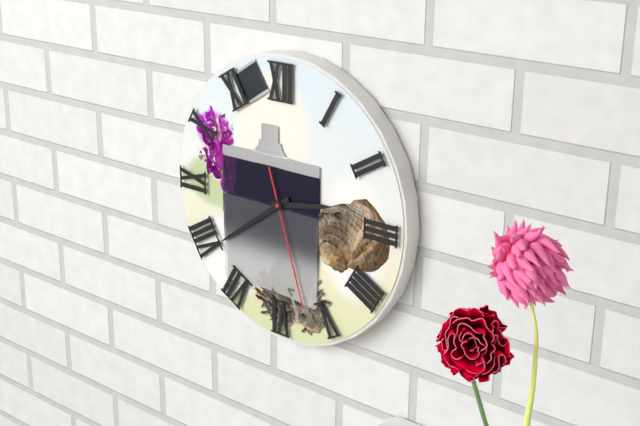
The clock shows h=2 m=39 s=27
